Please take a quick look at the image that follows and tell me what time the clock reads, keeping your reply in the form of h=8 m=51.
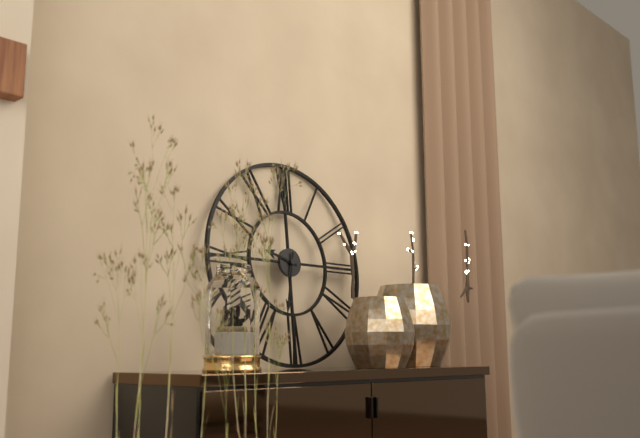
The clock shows h=9 m=32
